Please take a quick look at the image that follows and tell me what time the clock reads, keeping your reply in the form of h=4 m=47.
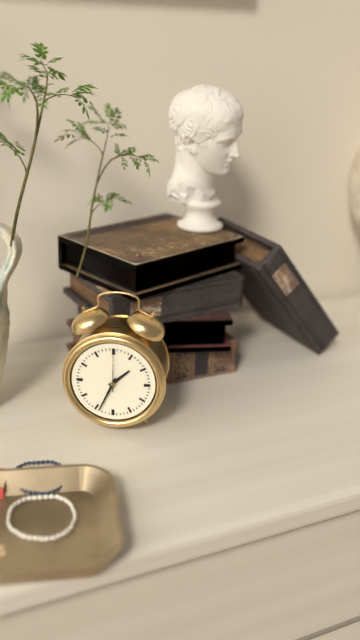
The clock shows h=1 m=34
